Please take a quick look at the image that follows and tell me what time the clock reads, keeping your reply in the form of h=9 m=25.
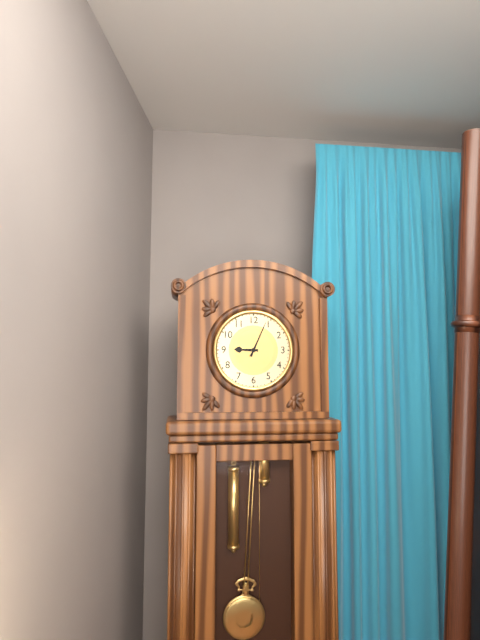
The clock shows h=9 m=4
